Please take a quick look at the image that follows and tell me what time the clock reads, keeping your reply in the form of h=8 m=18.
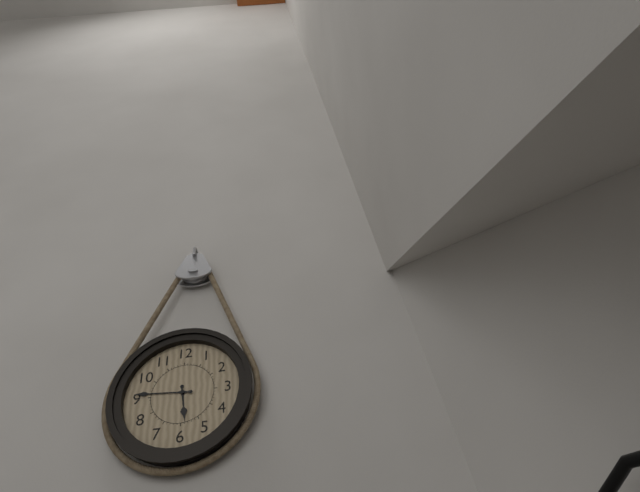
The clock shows h=5 m=46
